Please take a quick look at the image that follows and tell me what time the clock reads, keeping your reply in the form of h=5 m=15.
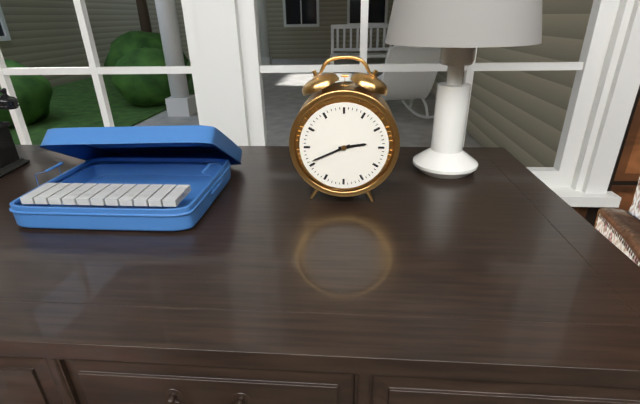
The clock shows h=2 m=41
